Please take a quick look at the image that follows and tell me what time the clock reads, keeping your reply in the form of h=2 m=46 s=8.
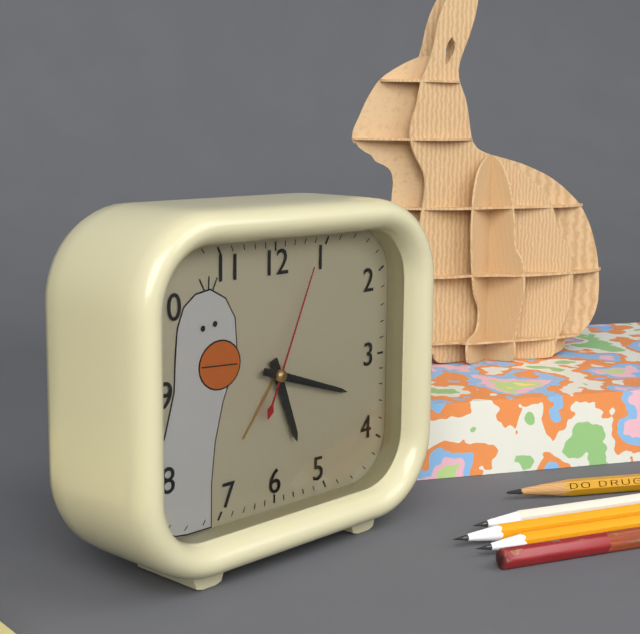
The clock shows h=5 m=18 s=4
